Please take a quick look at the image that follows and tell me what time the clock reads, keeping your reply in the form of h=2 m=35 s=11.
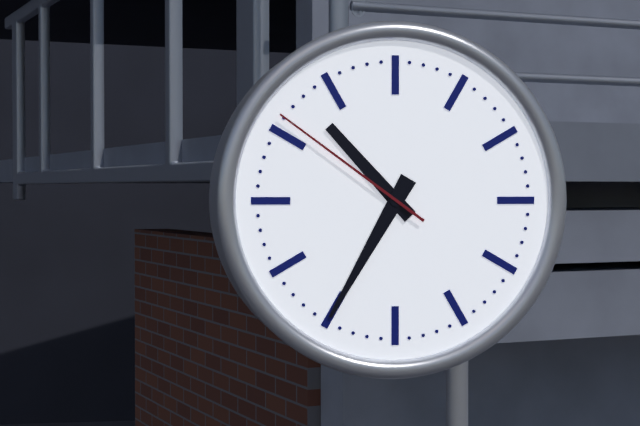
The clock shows h=10 m=35 s=51
